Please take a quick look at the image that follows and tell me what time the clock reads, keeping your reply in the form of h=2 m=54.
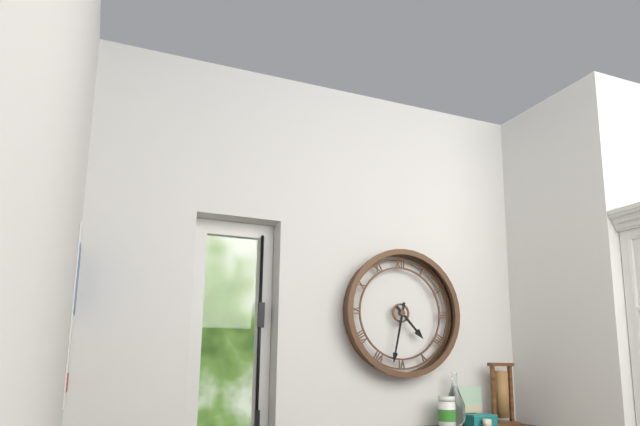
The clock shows h=4 m=32
